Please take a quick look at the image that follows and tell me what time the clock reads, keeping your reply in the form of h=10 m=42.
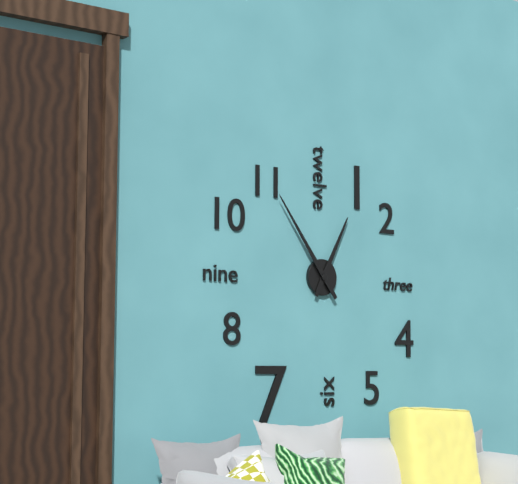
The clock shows h=12 m=54
